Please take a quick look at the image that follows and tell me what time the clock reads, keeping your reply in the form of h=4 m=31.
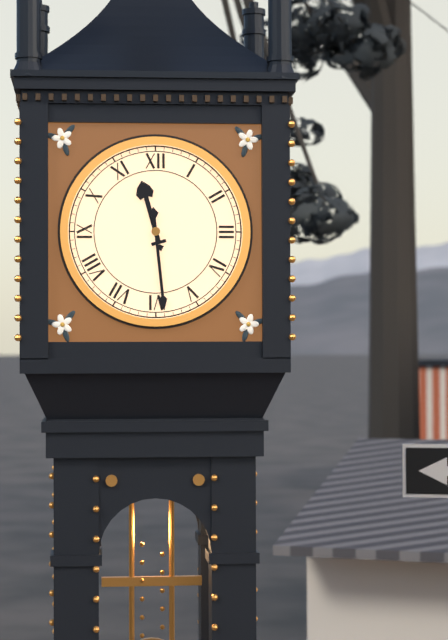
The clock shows h=11 m=29
